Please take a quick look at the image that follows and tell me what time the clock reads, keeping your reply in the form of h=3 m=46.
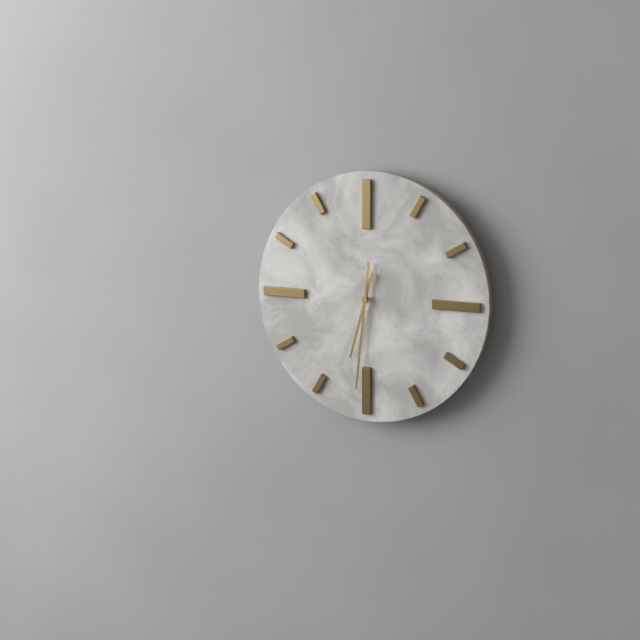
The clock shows h=6 m=31
